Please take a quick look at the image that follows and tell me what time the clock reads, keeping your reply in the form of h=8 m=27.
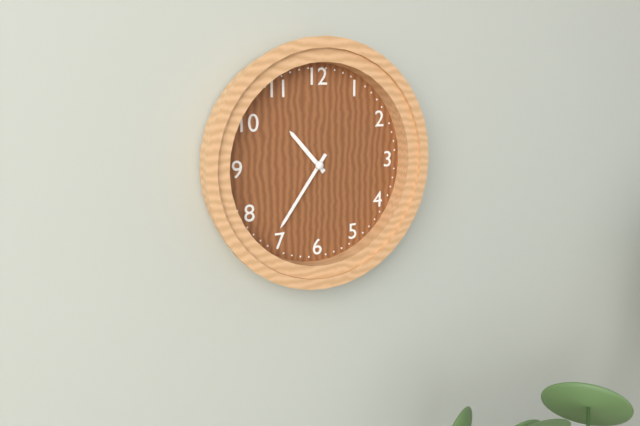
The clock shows h=10 m=36
